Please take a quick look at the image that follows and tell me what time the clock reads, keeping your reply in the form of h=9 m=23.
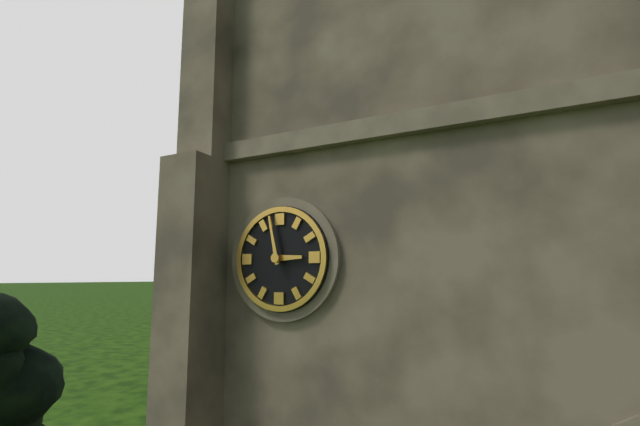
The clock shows h=2 m=58
